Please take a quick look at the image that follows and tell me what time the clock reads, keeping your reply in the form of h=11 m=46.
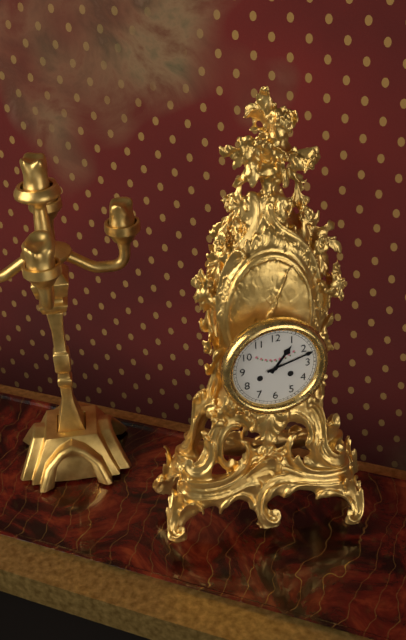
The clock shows h=1 m=12
